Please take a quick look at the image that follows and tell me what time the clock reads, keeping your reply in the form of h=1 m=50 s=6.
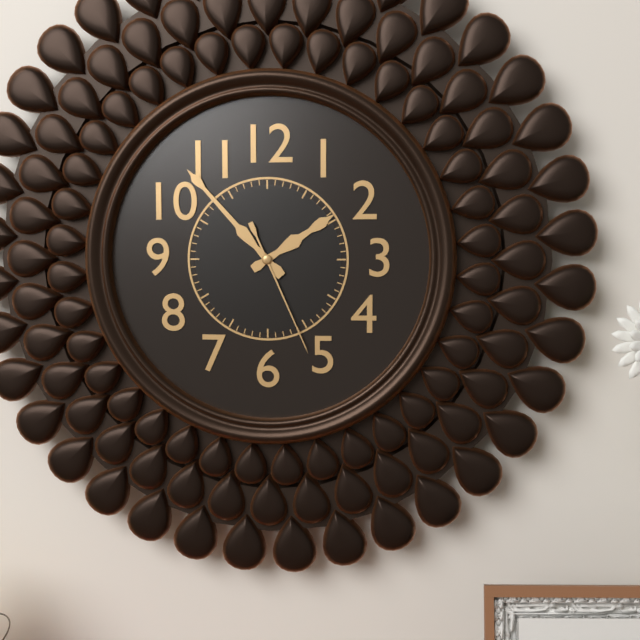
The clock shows h=1 m=53 s=26
